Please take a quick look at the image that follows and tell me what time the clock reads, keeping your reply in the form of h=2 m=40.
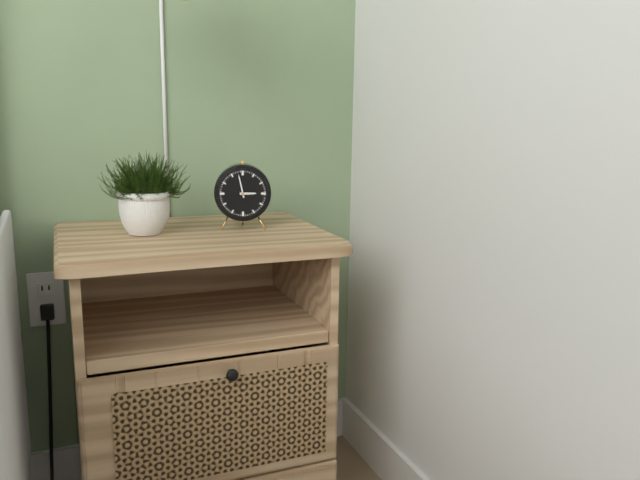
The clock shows h=2 m=58
